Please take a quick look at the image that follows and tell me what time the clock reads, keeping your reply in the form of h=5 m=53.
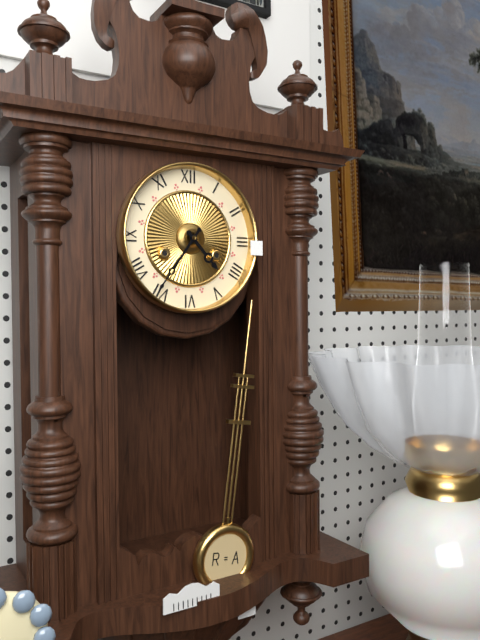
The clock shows h=4 m=36
